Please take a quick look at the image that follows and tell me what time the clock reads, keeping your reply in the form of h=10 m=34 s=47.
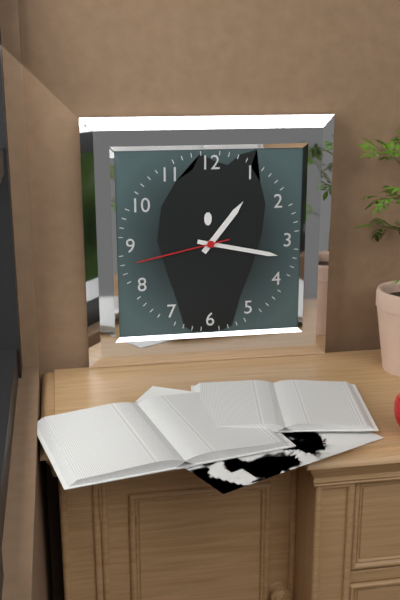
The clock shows h=1 m=17 s=43
